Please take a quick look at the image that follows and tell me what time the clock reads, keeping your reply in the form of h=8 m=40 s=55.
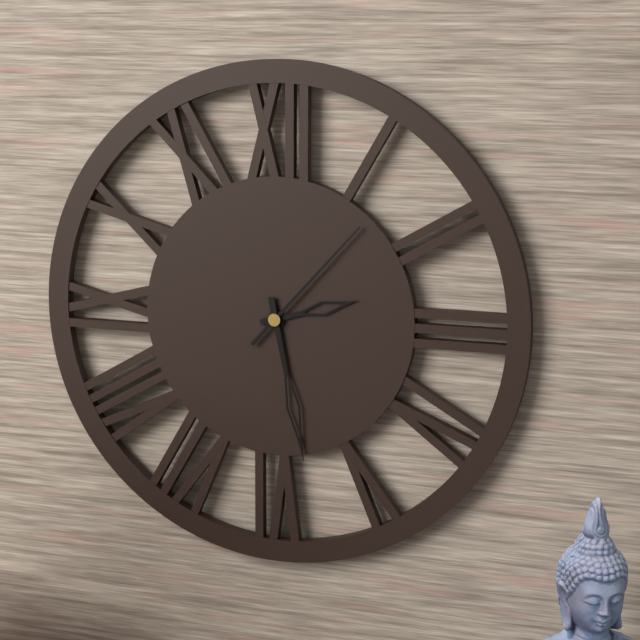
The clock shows h=2 m=28 s=7
